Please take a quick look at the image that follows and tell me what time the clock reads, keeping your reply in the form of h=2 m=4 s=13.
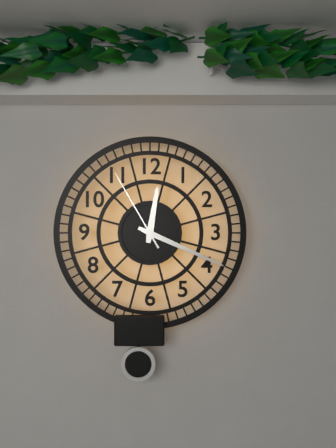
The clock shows h=12 m=19 s=55
